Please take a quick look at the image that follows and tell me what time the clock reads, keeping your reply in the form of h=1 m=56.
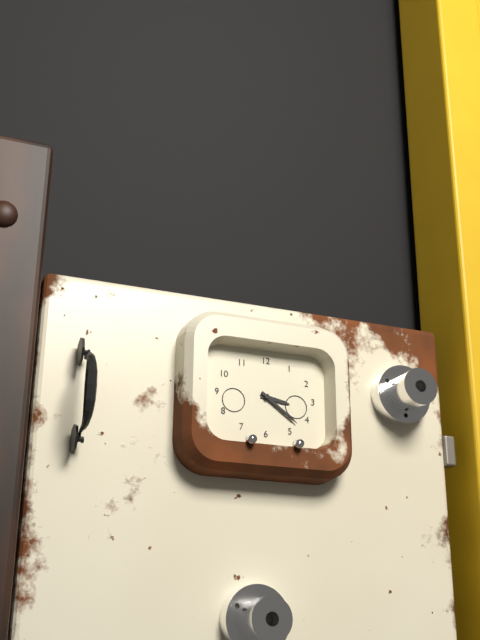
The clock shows h=3 m=21
